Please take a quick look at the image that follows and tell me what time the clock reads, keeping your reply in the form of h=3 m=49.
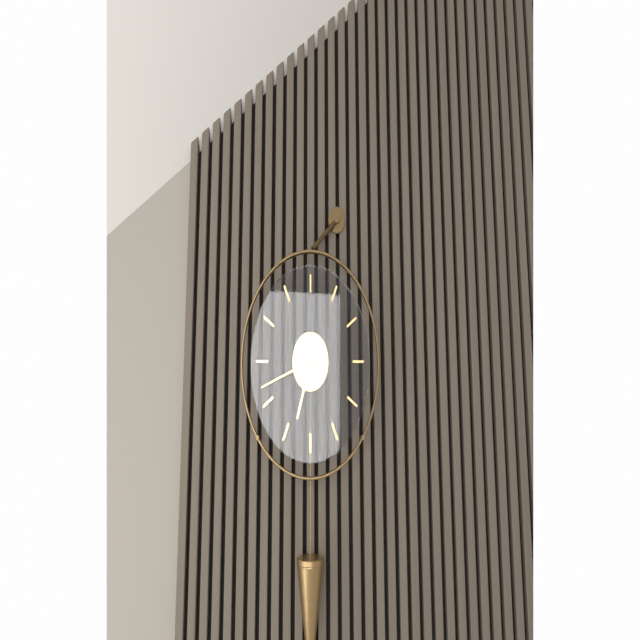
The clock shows h=6 m=42
